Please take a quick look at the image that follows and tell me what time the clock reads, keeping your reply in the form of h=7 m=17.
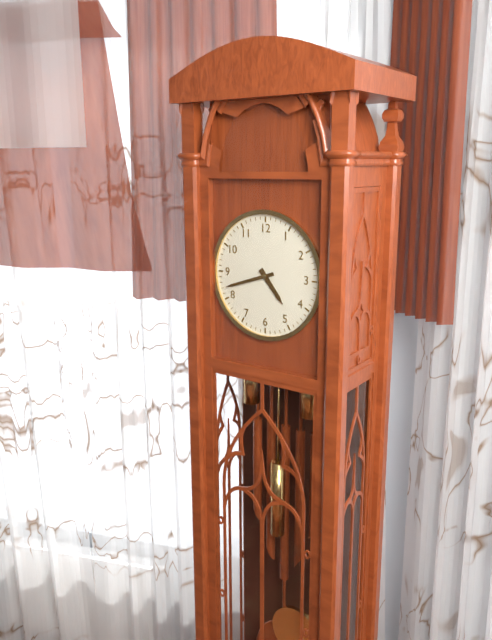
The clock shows h=4 m=42
